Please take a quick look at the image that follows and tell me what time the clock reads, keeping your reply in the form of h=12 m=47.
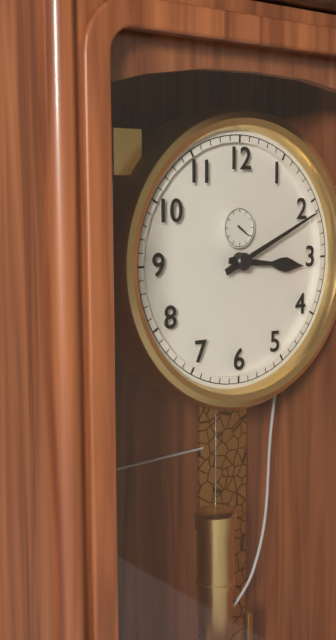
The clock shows h=3 m=11
